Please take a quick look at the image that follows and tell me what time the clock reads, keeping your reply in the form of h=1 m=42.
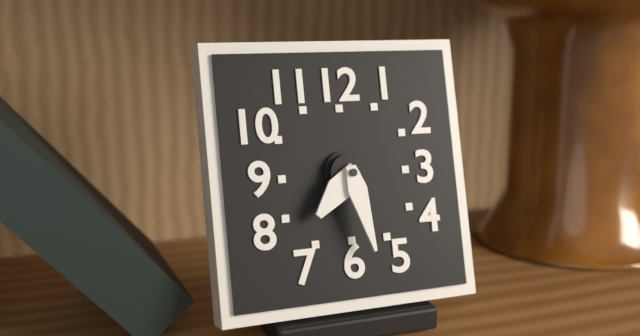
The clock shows h=7 m=28
